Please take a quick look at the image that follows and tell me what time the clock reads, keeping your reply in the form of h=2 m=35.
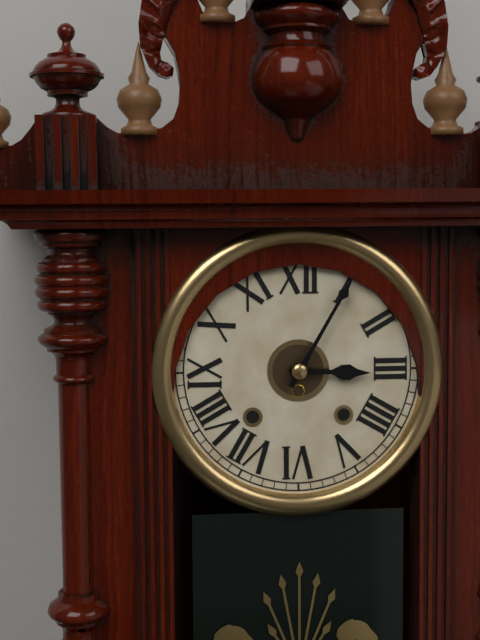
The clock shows h=3 m=5
